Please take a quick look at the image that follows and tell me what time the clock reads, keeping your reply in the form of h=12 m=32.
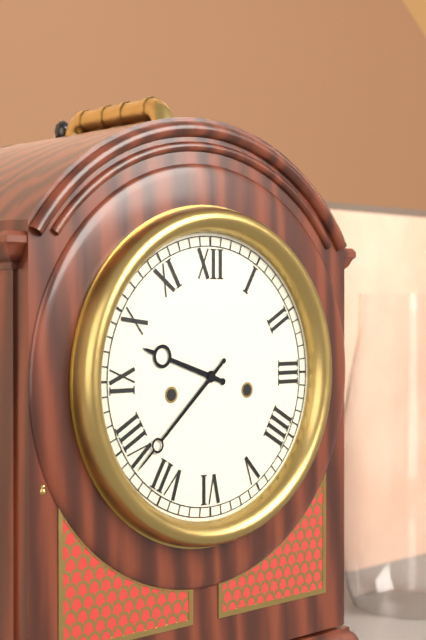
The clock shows h=9 m=38
